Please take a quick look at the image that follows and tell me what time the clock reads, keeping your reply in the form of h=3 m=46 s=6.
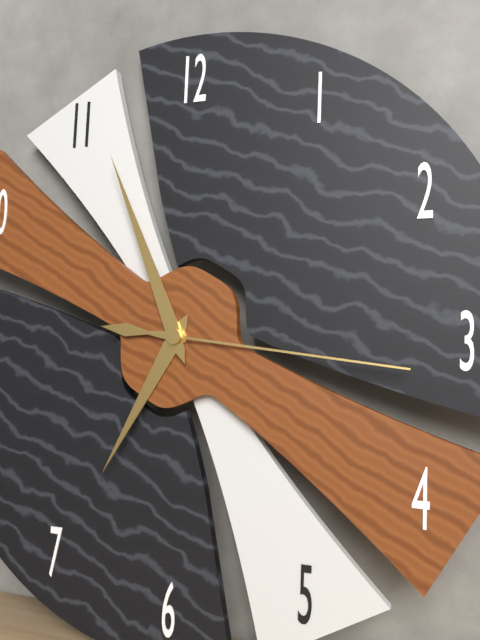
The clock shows h=6 m=56 s=16
